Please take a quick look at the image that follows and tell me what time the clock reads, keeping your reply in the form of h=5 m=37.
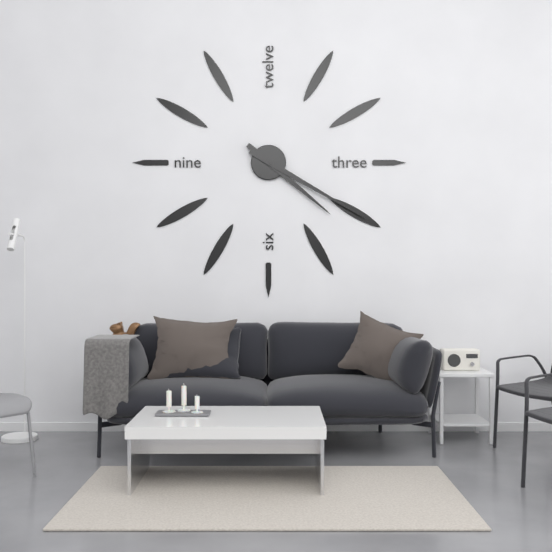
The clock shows h=4 m=20
